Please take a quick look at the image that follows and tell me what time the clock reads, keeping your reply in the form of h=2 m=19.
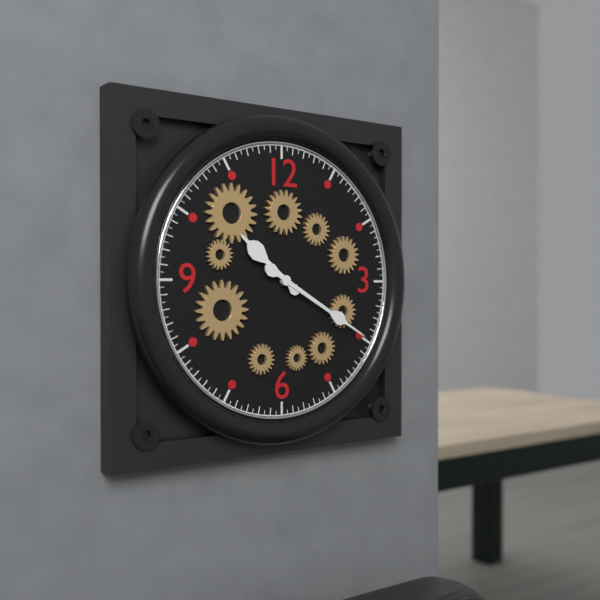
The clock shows h=10 m=20
